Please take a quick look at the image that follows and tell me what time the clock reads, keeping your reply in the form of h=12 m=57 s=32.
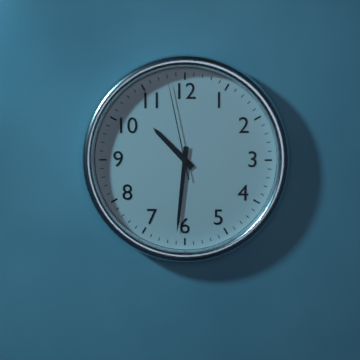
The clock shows h=10 m=31 s=58
